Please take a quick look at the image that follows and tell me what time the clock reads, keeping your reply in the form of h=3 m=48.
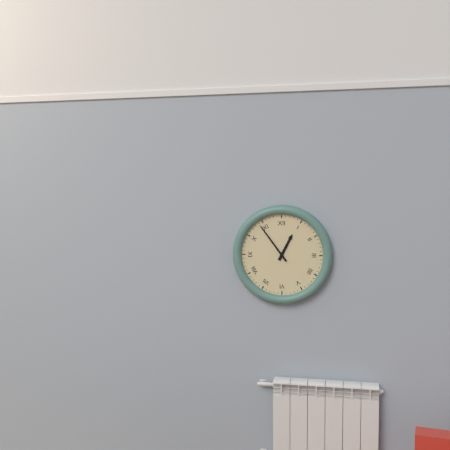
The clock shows h=12 m=54
